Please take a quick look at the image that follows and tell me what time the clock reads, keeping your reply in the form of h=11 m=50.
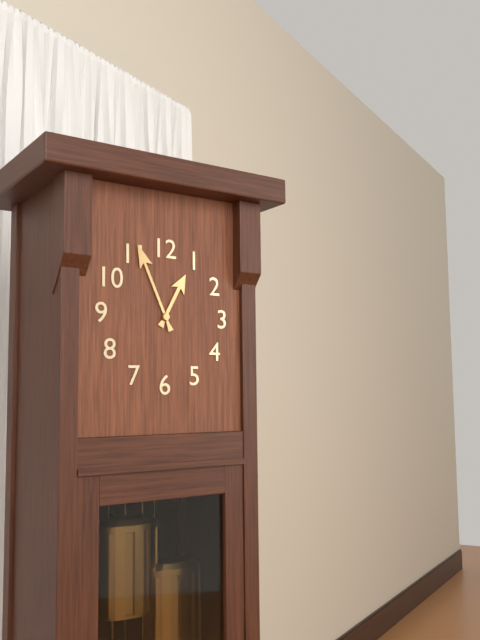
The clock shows h=12 m=56
